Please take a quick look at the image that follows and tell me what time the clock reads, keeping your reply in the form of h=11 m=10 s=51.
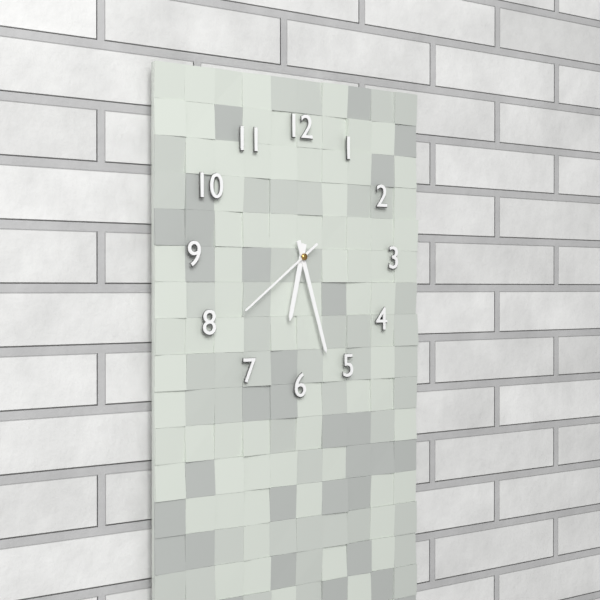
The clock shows h=6 m=27 s=39
